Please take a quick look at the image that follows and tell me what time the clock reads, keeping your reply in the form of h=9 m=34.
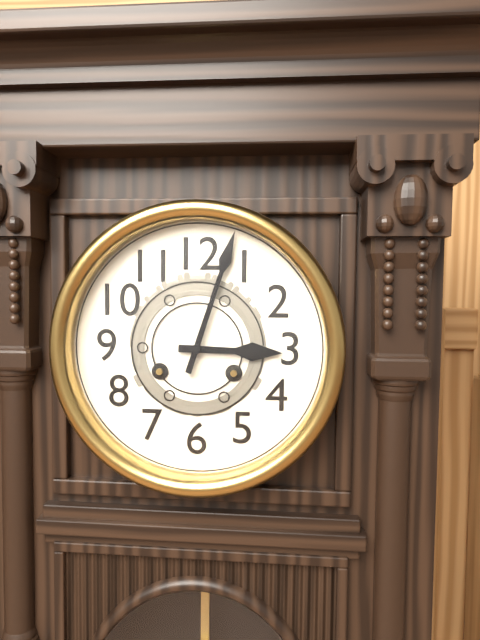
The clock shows h=3 m=3
